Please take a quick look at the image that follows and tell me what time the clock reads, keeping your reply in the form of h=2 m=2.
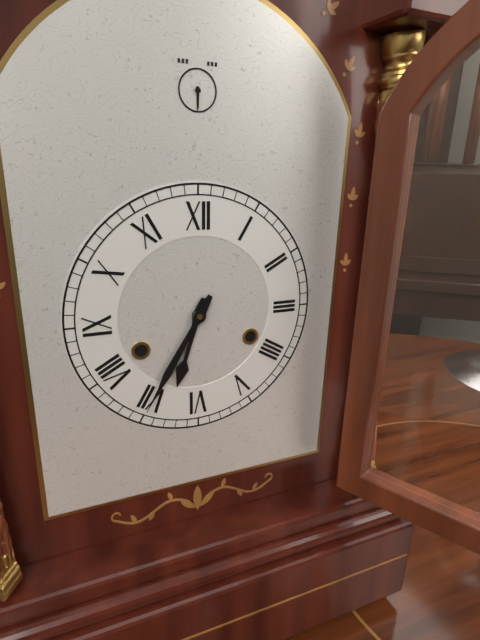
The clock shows h=6 m=35
